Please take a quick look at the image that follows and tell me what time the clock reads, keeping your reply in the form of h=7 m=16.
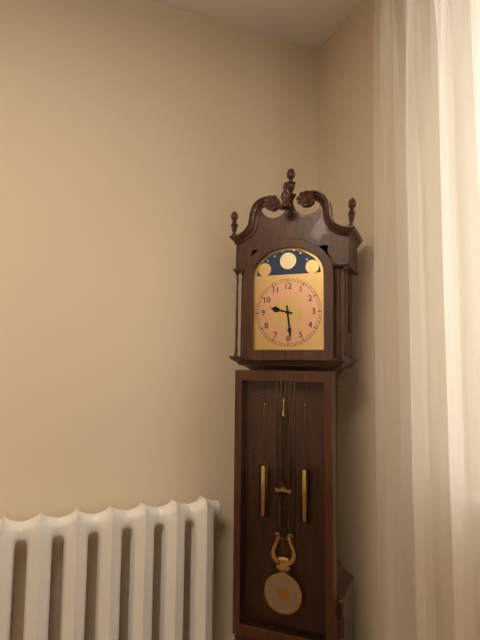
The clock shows h=9 m=29
